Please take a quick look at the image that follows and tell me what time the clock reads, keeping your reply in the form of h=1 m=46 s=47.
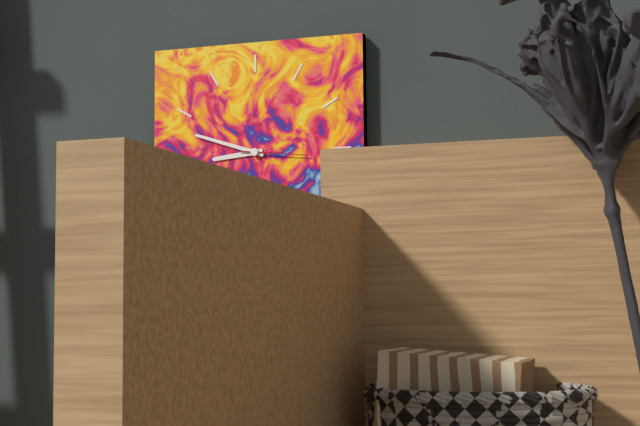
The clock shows h=8 m=48 s=16
